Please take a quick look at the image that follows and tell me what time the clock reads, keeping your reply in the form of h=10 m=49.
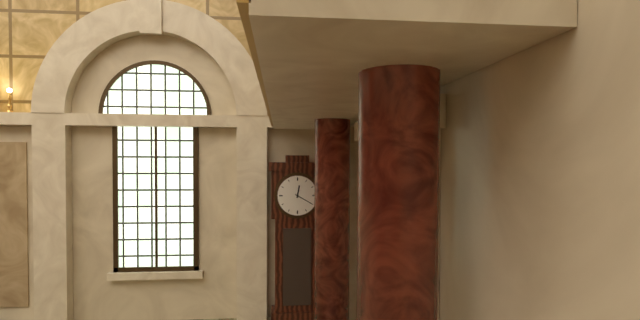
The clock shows h=12 m=20
